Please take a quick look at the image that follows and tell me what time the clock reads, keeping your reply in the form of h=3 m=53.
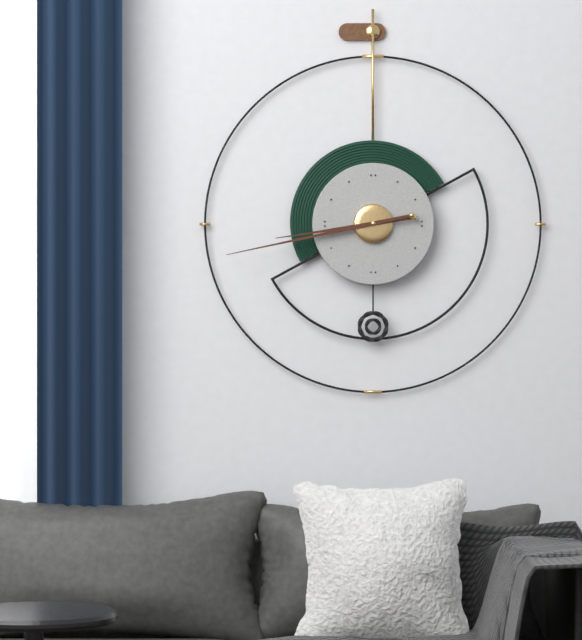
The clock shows h=8 m=43
